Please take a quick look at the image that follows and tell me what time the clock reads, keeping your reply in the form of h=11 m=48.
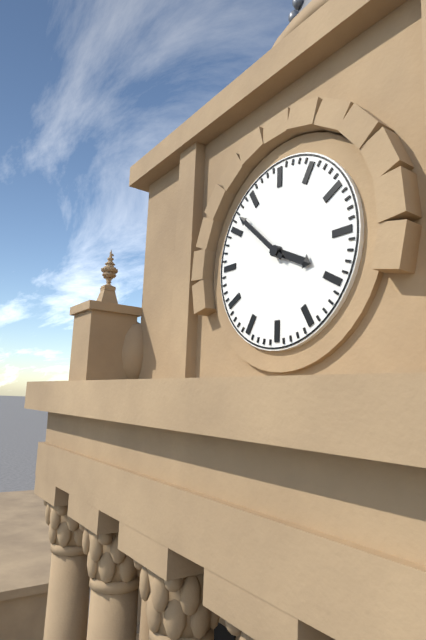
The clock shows h=3 m=52
